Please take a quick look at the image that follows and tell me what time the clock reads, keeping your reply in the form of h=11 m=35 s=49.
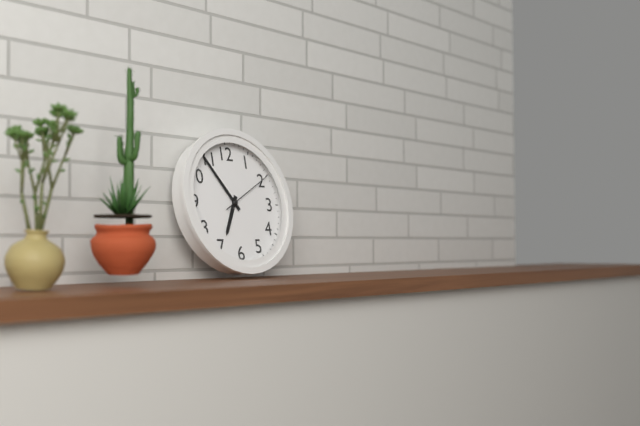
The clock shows h=6 m=54 s=10
